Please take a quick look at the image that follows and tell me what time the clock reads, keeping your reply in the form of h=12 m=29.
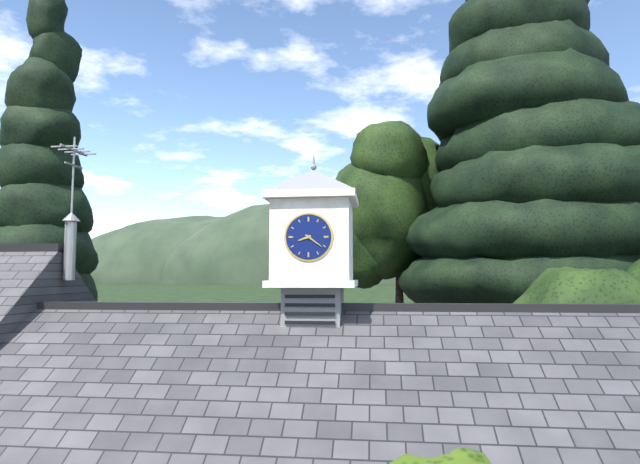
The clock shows h=8 m=21
